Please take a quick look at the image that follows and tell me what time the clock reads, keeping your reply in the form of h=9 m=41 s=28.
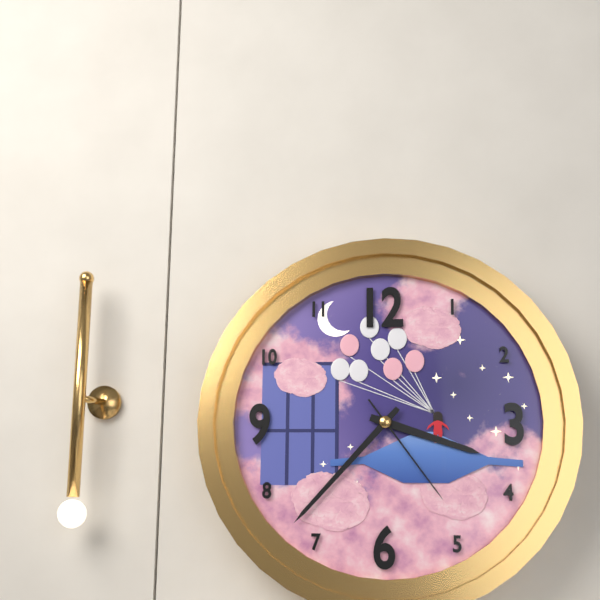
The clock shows h=3 m=37 s=24
